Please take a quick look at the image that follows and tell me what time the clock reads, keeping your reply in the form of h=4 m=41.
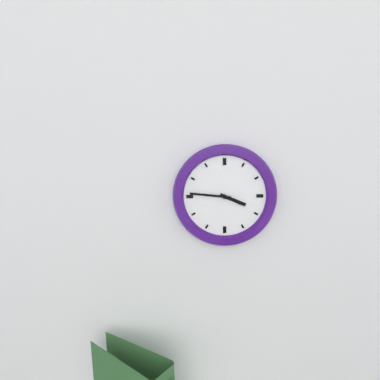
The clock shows h=3 m=46
